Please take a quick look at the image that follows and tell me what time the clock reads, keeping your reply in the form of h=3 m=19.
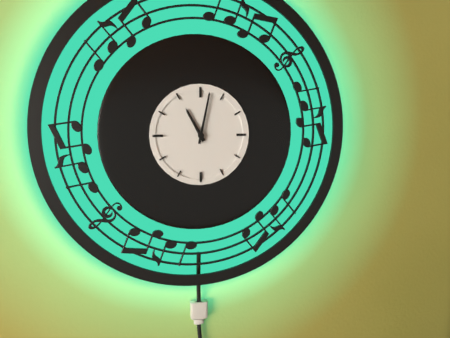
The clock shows h=11 m=2
